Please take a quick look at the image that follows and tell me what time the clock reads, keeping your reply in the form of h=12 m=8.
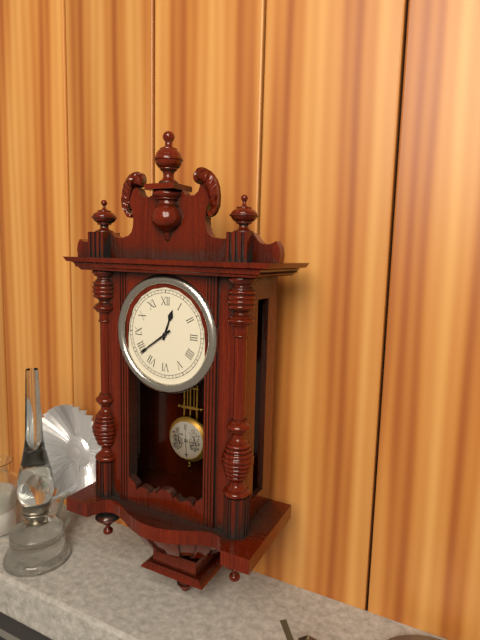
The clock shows h=12 m=39
